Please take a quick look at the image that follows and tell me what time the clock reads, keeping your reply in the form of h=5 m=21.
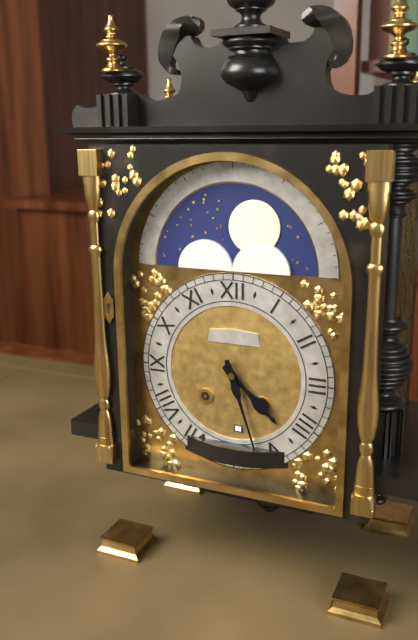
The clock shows h=4 m=27
